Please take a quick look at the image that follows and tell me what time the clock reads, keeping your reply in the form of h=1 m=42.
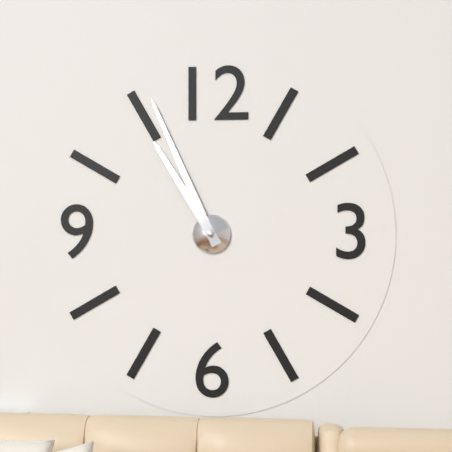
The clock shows h=10 m=56
